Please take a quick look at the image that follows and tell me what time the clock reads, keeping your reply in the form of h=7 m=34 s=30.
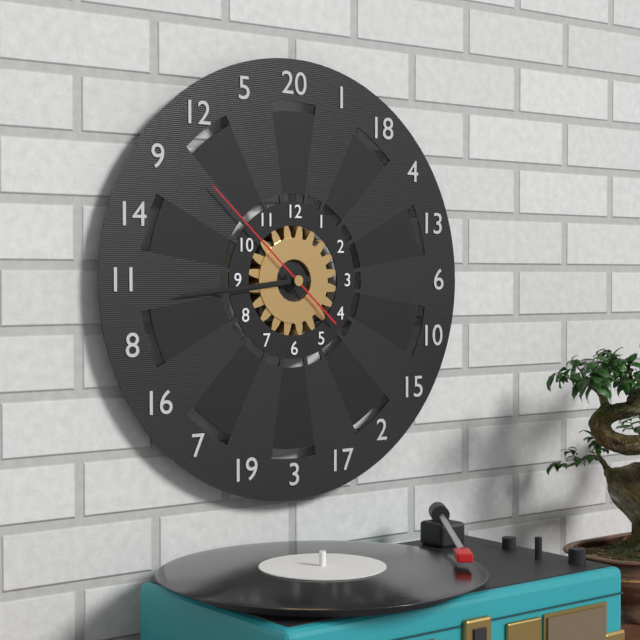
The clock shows h=8 m=44 s=52
